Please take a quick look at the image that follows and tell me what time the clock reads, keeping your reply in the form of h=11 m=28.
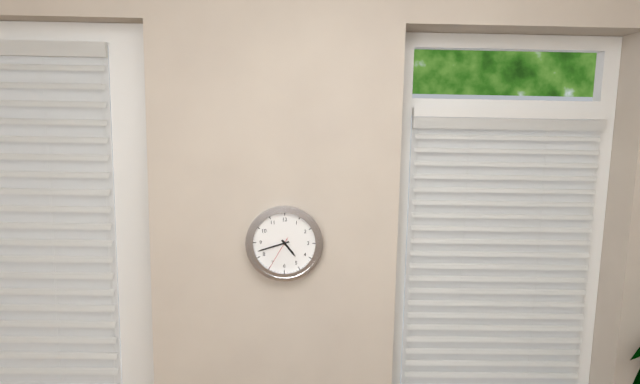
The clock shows h=4 m=42
